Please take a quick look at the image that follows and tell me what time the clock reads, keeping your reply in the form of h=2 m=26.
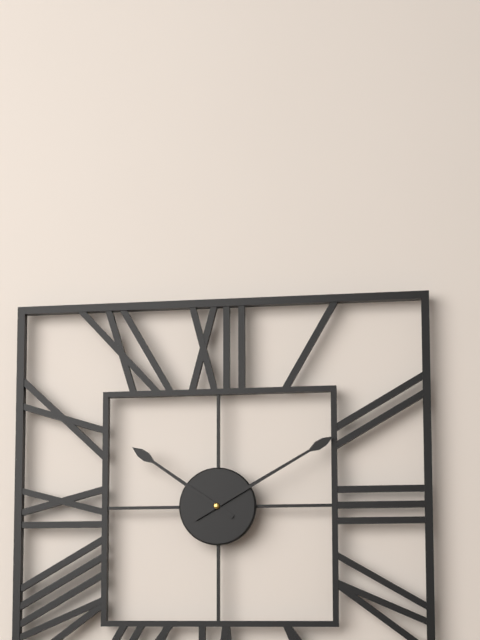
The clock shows h=10 m=10
